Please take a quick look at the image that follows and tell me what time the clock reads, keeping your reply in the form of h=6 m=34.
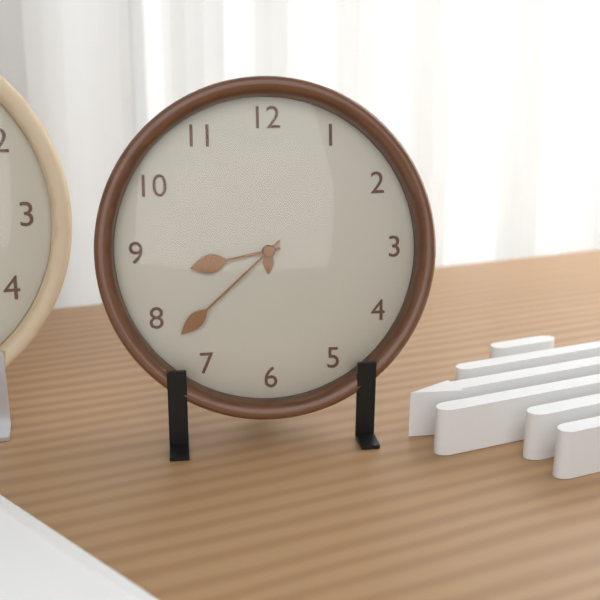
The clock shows h=8 m=38
